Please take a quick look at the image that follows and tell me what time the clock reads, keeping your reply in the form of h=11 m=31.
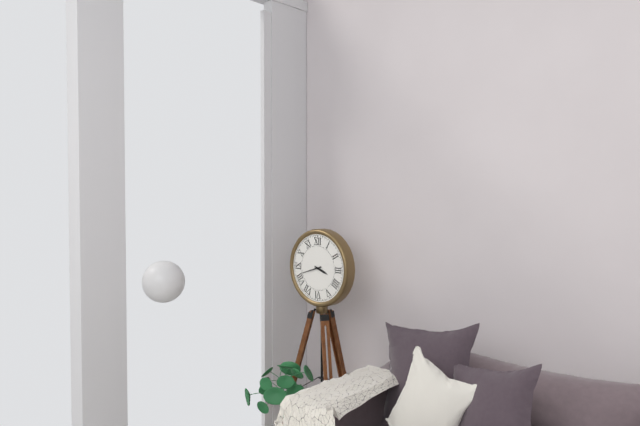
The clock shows h=3 m=42
